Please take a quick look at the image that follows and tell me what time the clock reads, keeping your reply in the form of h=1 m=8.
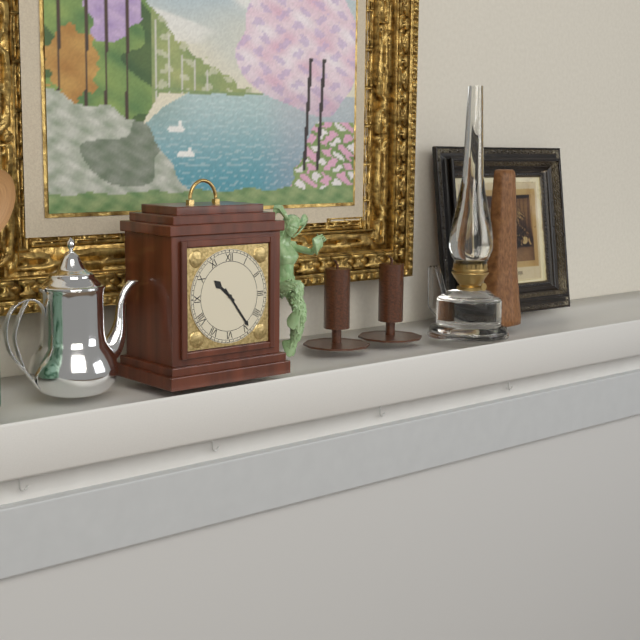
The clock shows h=10 m=24
